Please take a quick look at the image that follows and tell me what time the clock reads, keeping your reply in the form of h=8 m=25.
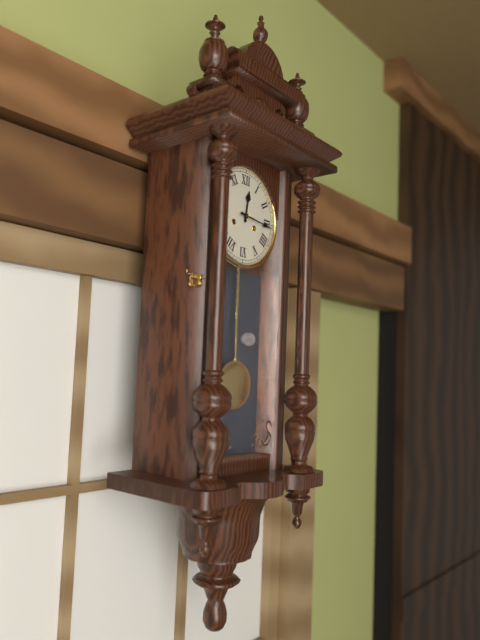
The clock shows h=12 m=16
